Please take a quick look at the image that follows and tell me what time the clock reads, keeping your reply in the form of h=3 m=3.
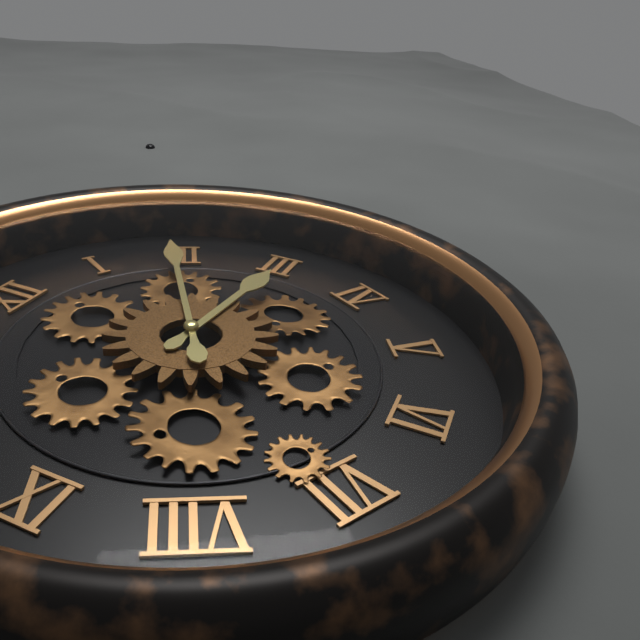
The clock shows h=3 m=9
